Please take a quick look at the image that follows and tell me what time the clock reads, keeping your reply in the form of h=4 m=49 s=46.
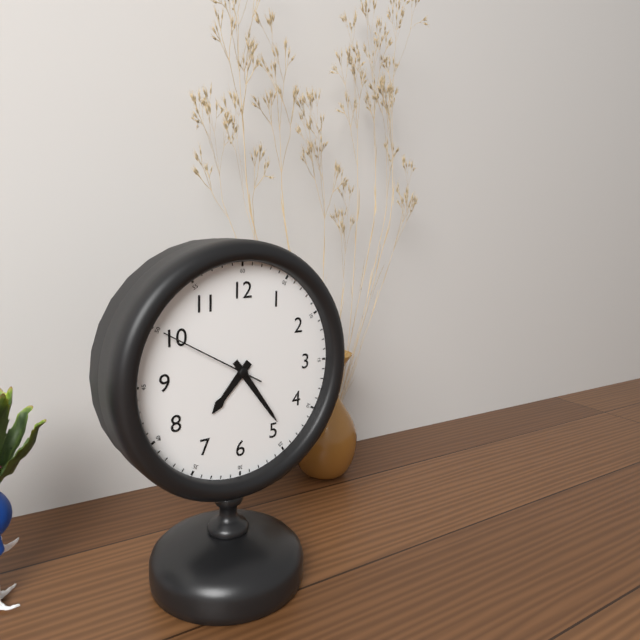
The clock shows h=7 m=24 s=50
